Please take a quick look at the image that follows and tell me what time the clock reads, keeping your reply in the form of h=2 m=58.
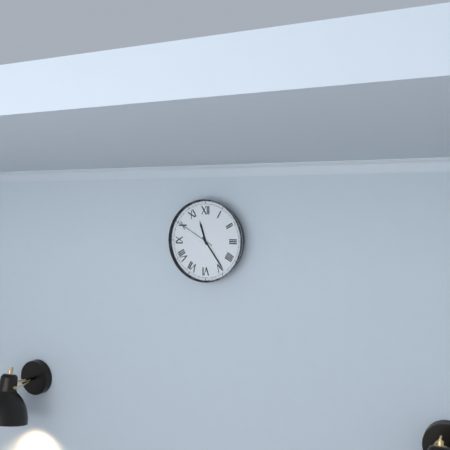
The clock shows h=11 m=24
